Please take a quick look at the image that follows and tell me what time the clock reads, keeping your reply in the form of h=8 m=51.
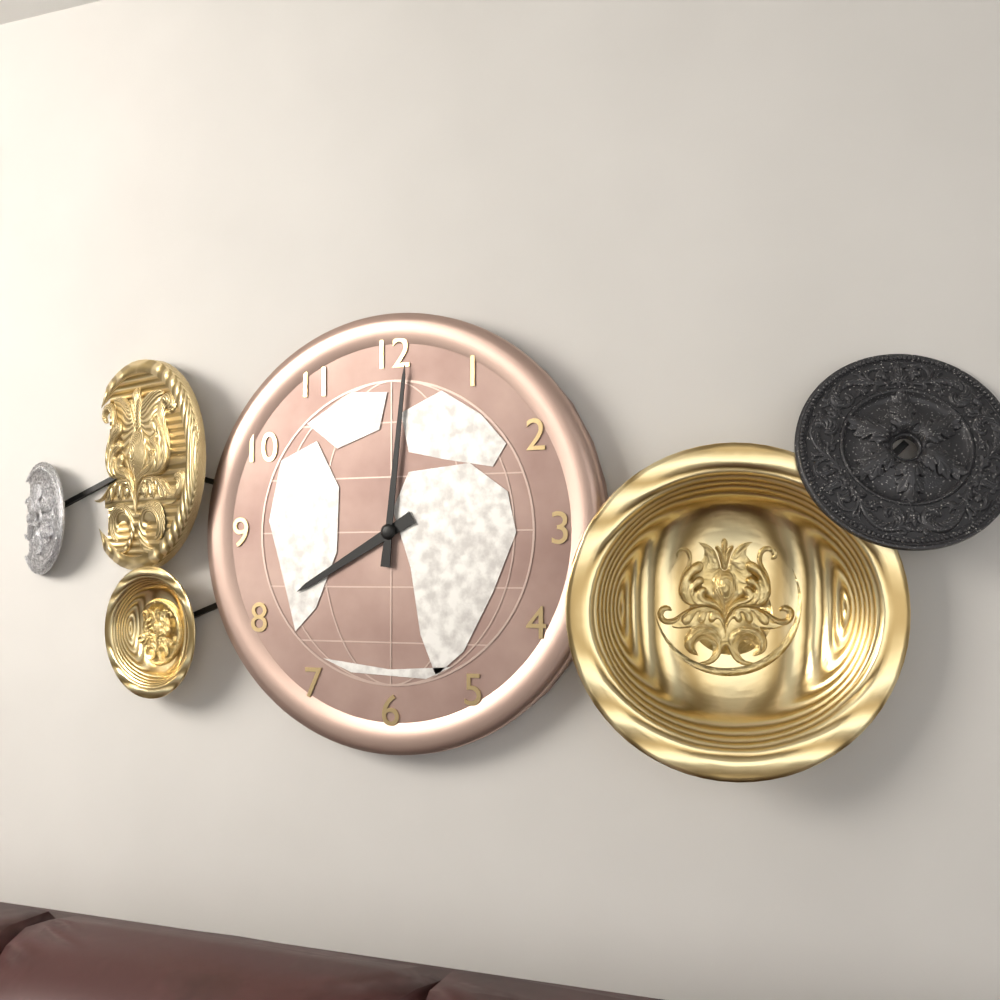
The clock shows h=8 m=1
